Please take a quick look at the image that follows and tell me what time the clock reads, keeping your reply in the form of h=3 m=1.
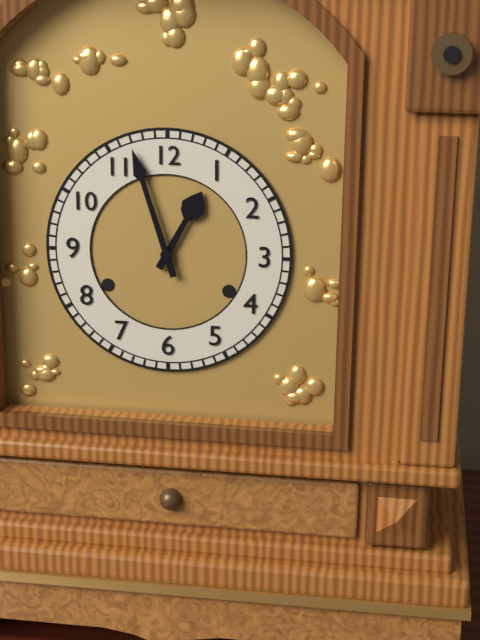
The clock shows h=12 m=57
